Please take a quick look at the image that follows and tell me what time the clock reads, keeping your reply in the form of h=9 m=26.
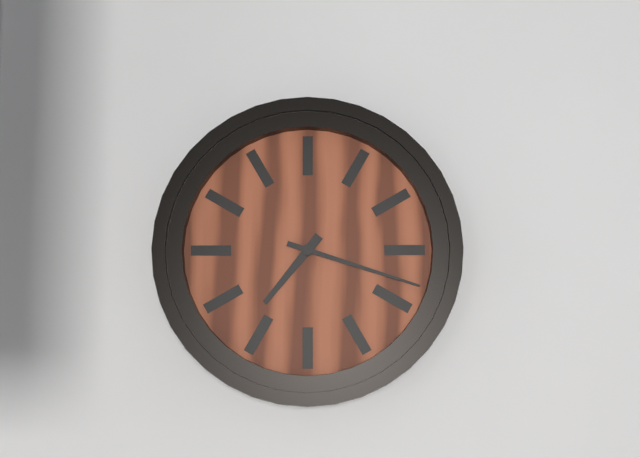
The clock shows h=7 m=18
